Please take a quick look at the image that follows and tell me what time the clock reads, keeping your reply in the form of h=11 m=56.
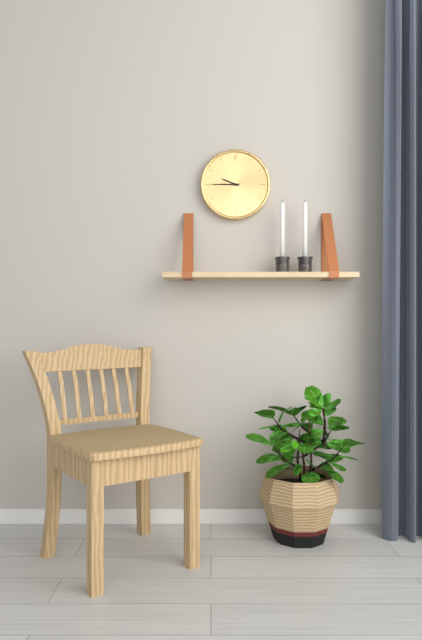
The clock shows h=9 m=45
